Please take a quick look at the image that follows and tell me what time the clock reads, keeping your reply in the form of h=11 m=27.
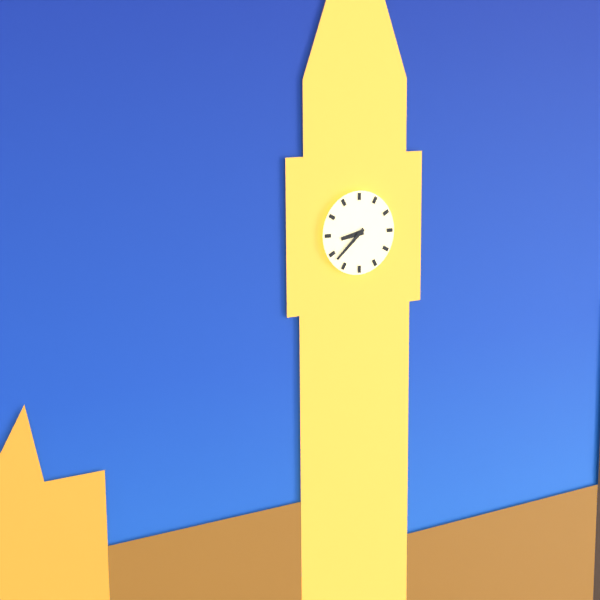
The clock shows h=8 m=38
